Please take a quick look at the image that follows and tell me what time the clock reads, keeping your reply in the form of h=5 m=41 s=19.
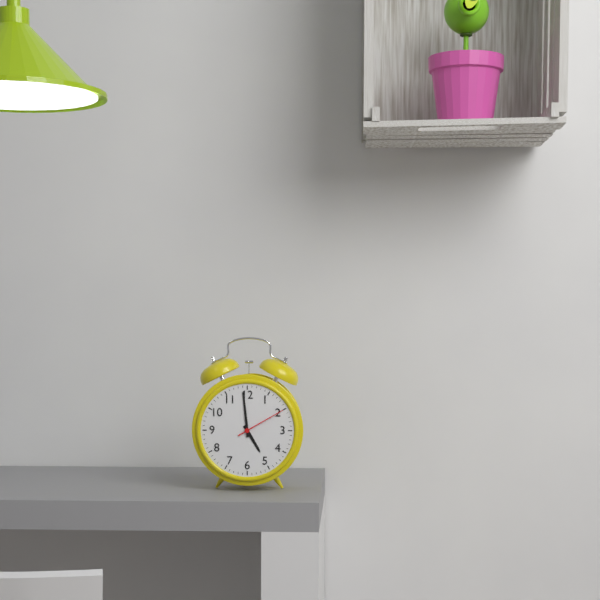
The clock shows h=4 m=59 s=10
